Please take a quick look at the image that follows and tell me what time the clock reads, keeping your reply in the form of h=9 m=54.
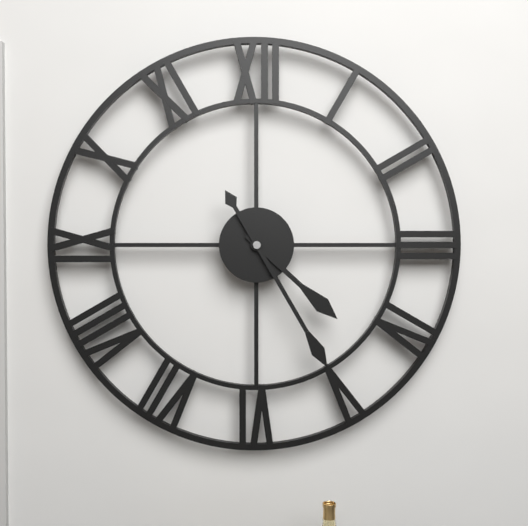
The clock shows h=4 m=25
